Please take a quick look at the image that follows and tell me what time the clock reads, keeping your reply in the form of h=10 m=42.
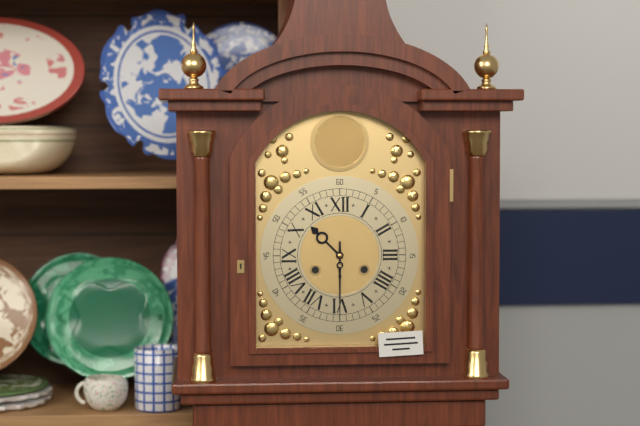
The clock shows h=10 m=30
